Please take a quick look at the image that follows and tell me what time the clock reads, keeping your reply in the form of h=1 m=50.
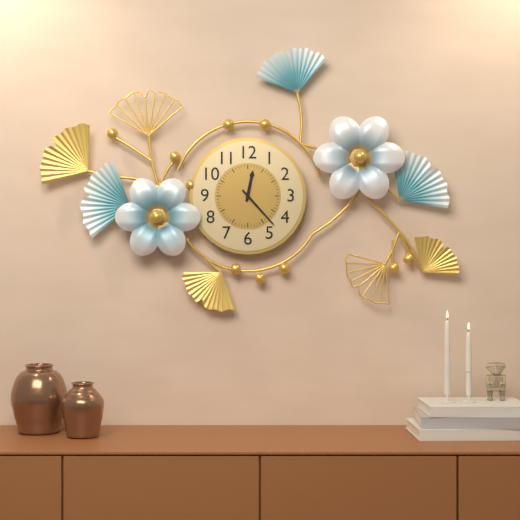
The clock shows h=12 m=23
